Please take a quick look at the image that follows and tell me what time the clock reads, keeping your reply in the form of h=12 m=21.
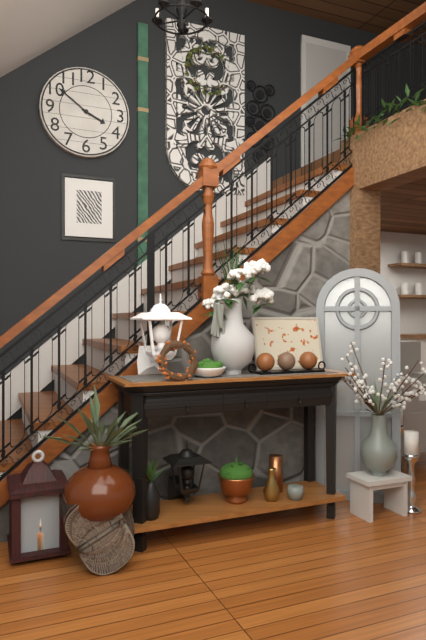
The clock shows h=3 m=51
